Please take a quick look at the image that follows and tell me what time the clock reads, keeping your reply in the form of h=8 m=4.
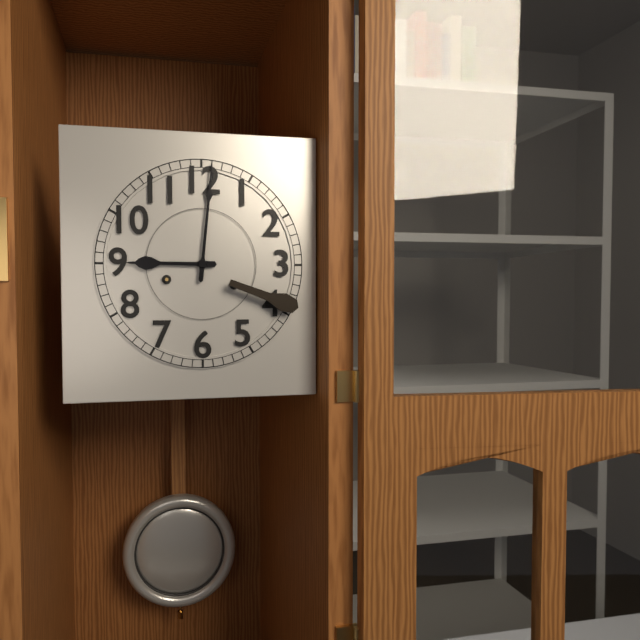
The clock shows h=9 m=1
